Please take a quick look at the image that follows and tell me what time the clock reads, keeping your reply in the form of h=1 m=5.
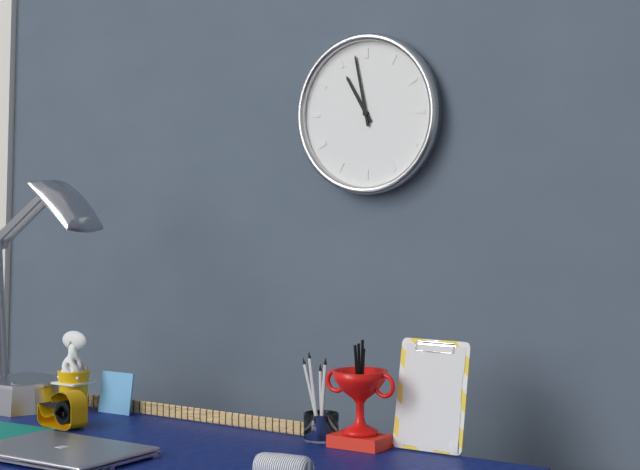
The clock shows h=10 m=58
